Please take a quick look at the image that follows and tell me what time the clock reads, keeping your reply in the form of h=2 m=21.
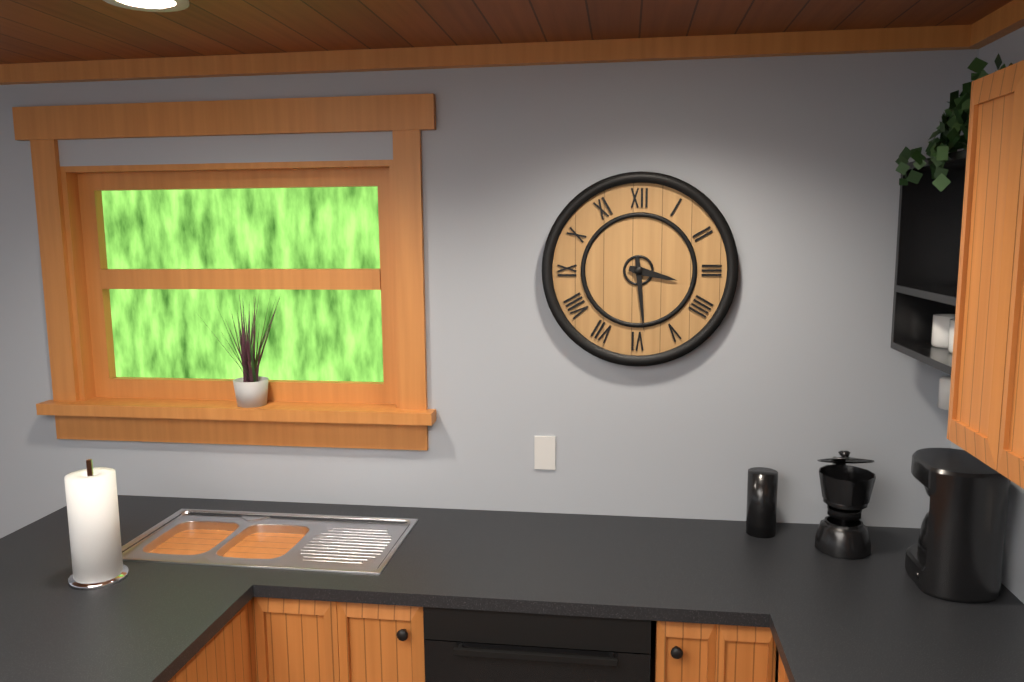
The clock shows h=3 m=29
